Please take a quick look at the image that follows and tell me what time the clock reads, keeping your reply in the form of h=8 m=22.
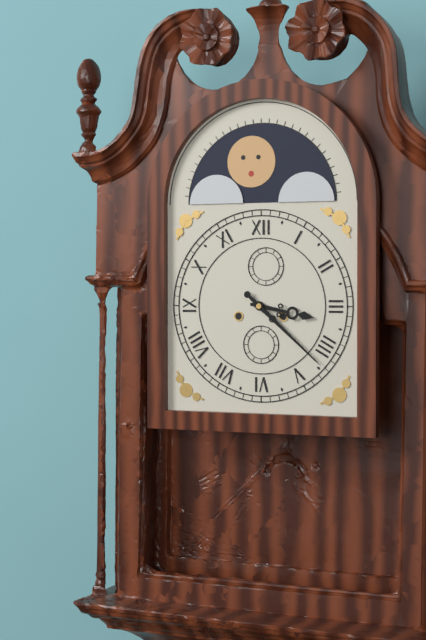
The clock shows h=3 m=22
